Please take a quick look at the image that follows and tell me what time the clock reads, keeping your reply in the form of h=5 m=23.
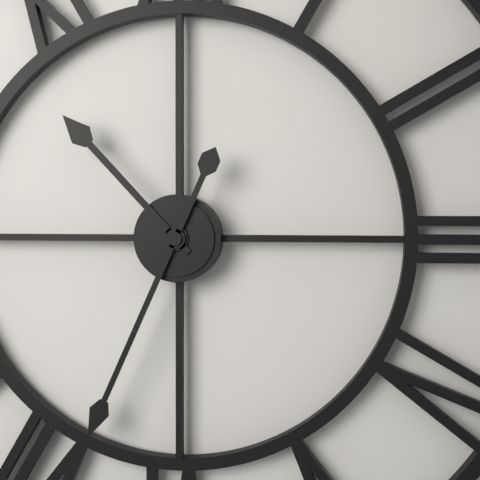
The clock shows h=10 m=34
